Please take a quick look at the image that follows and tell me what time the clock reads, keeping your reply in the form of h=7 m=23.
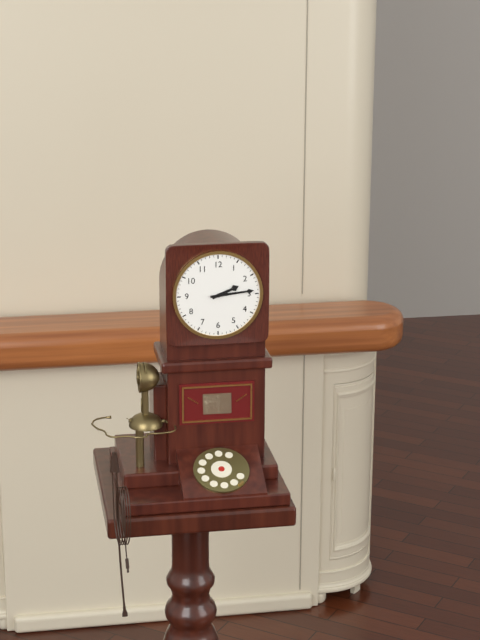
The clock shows h=2 m=14
